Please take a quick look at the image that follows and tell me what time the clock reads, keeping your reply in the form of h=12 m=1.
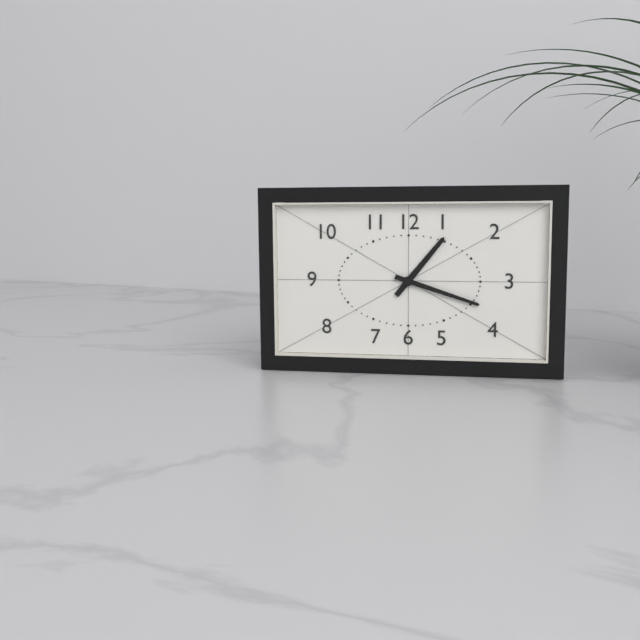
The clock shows h=1 m=18
